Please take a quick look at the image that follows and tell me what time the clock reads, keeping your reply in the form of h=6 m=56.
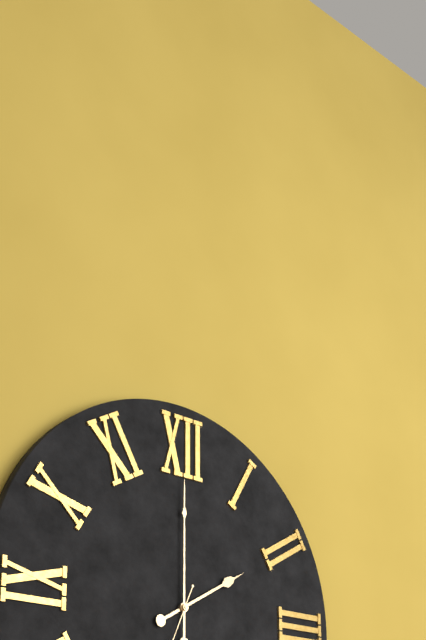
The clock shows h=2 m=0
